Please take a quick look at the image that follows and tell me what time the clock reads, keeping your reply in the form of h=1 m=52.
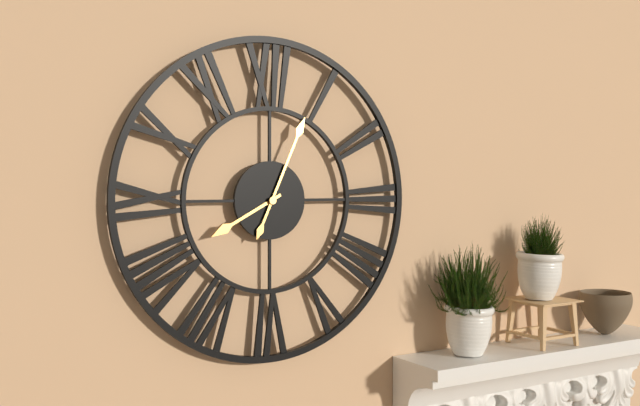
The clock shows h=8 m=4
